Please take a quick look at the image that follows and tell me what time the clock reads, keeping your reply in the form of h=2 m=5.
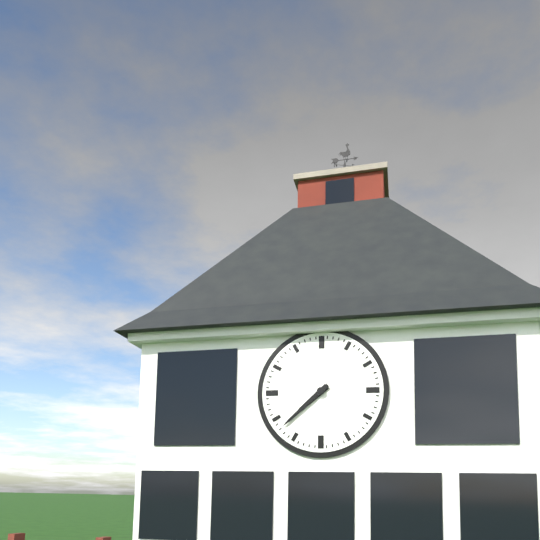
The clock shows h=7 m=38
